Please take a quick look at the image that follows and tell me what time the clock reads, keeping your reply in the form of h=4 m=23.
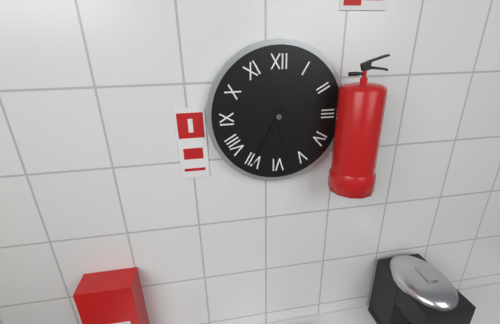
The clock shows h=5 m=35
